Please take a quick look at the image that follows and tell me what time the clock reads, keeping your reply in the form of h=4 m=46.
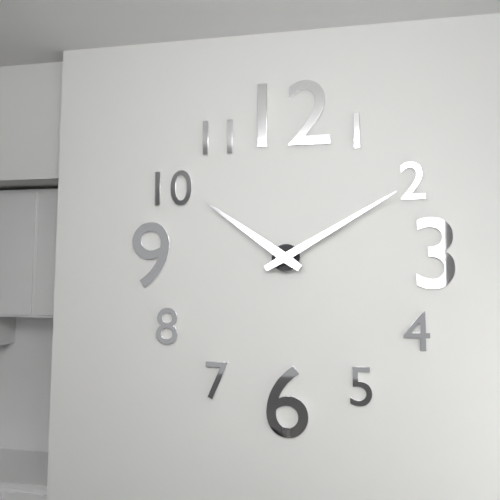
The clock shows h=10 m=10
